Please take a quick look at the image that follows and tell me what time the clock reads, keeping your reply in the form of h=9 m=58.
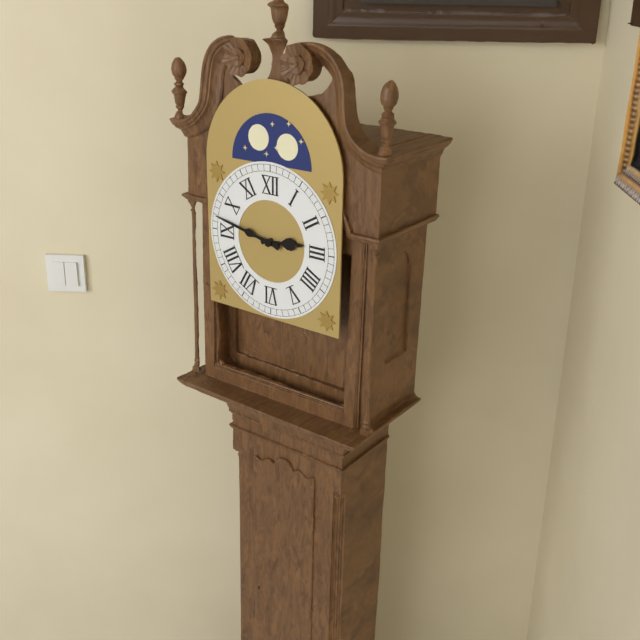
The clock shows h=2 m=47
